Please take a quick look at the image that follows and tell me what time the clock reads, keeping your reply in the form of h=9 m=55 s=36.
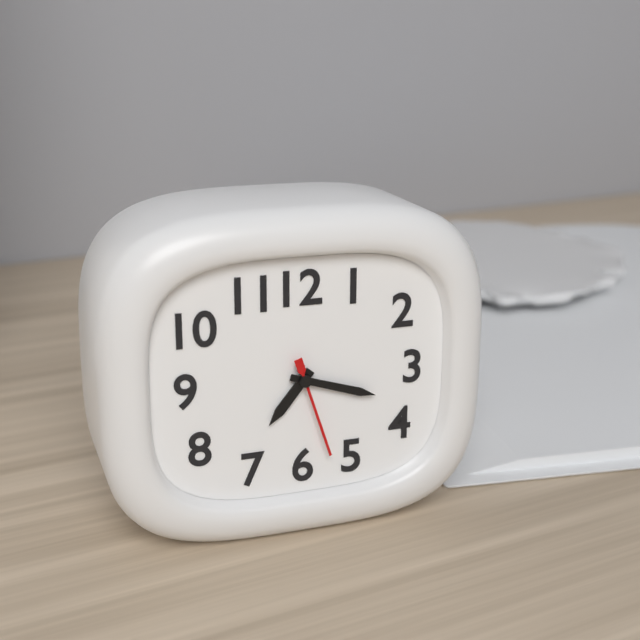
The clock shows h=7 m=18 s=27
